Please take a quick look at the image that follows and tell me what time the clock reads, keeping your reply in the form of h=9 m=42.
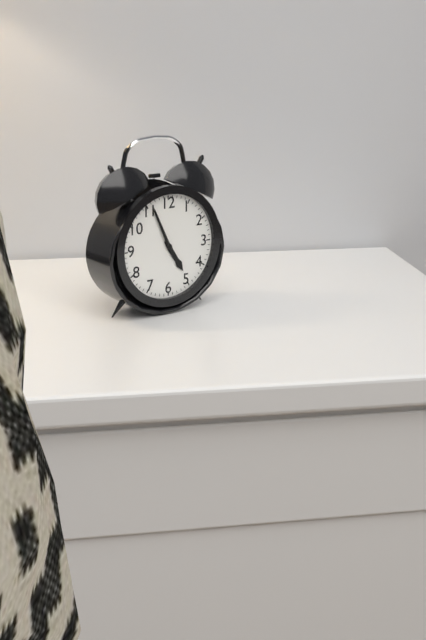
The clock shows h=4 m=56
